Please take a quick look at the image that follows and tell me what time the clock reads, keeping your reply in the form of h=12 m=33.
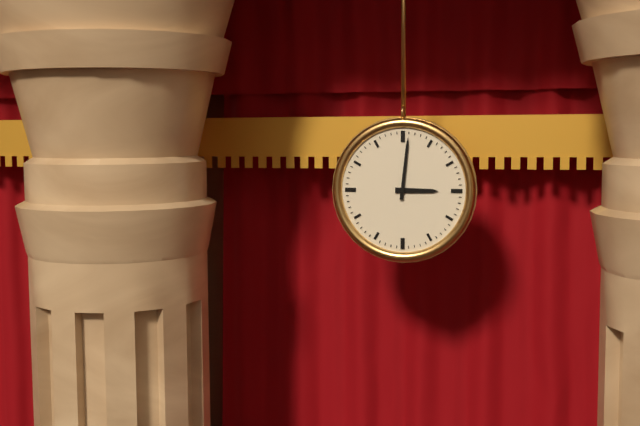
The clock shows h=3 m=1
